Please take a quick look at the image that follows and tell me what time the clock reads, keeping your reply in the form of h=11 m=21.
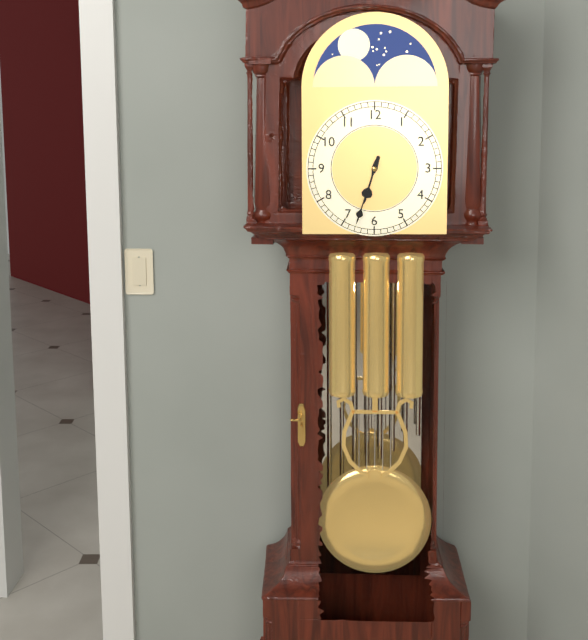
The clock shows h=6 m=33
